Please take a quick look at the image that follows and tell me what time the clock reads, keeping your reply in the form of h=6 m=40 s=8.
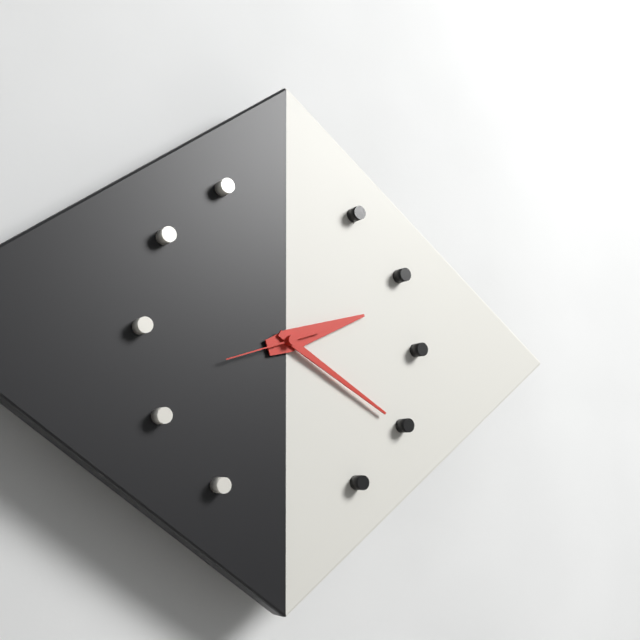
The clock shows h=2 m=20 s=42
